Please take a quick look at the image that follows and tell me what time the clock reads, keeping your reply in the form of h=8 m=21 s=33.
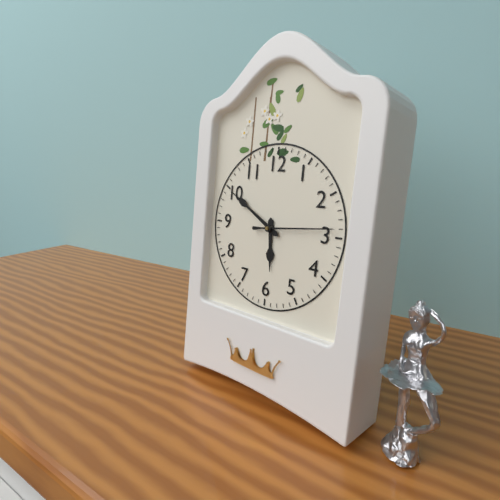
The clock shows h=5 m=50 s=14
